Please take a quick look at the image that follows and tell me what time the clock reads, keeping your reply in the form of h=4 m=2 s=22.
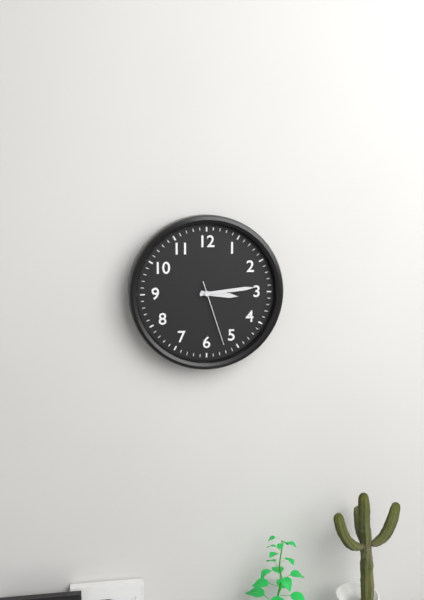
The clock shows h=3 m=14 s=27
